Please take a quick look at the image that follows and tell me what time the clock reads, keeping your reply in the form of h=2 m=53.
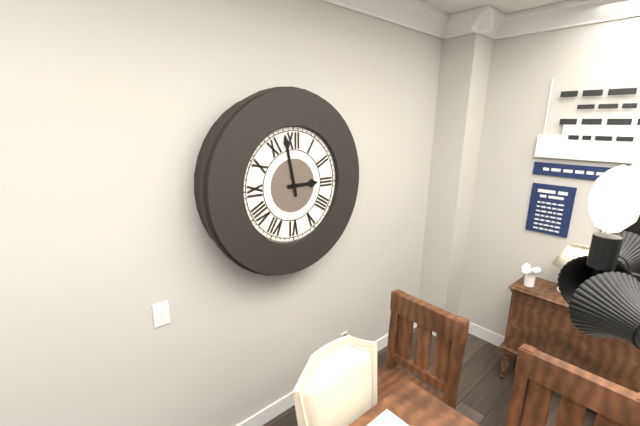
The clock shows h=2 m=58
